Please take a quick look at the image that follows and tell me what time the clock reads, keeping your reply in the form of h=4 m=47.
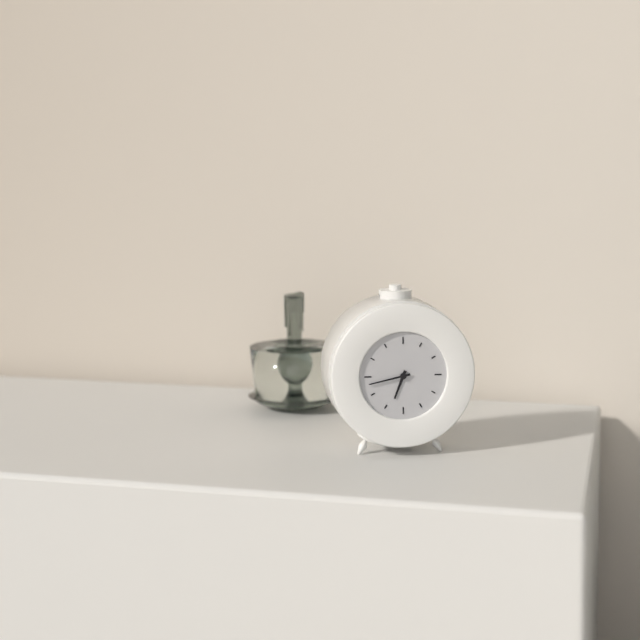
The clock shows h=6 m=43
